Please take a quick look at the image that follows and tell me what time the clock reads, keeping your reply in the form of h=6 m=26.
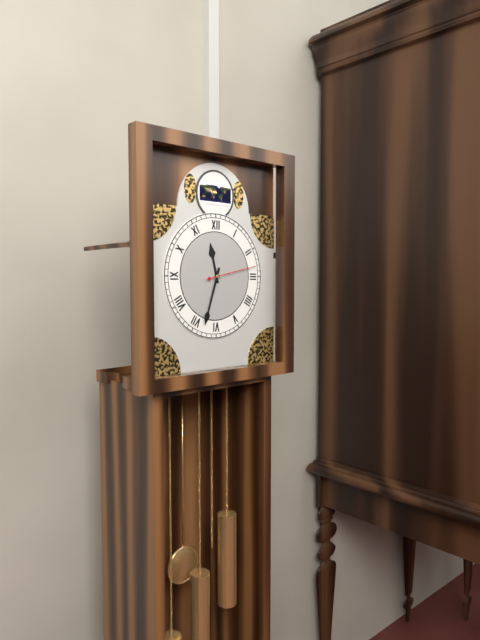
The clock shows h=11 m=33
